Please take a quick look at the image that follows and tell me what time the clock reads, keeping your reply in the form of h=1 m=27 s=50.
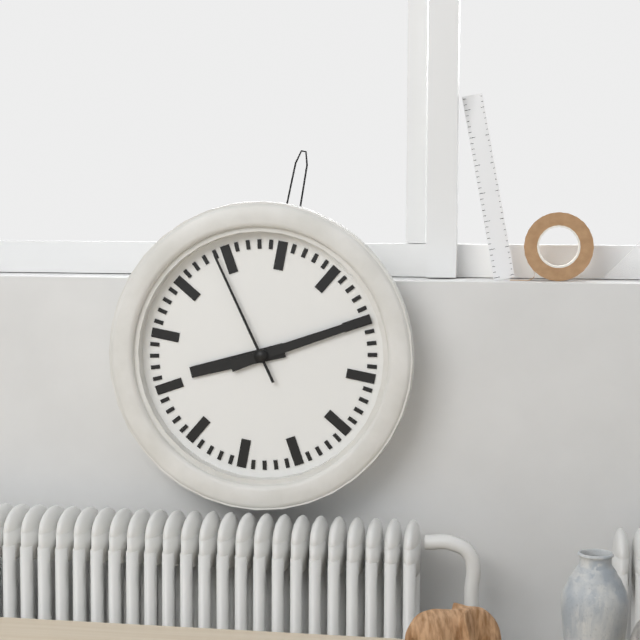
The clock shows h=8 m=10 s=54
